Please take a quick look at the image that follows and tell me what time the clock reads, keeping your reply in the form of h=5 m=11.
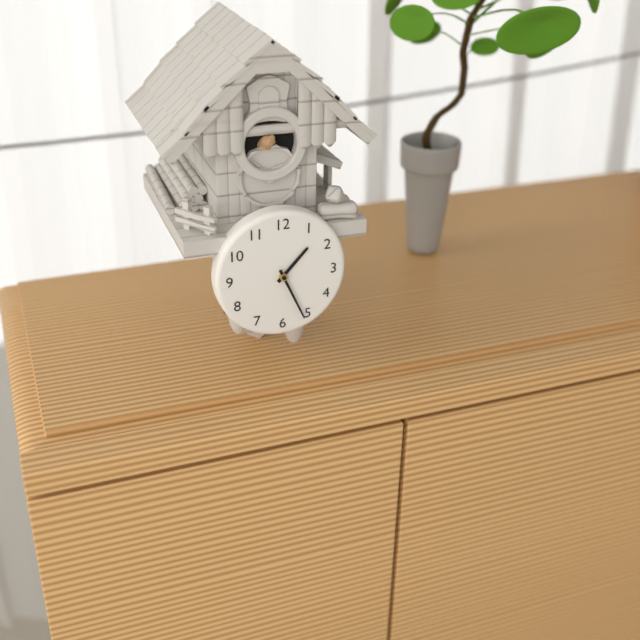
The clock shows h=1 m=26
